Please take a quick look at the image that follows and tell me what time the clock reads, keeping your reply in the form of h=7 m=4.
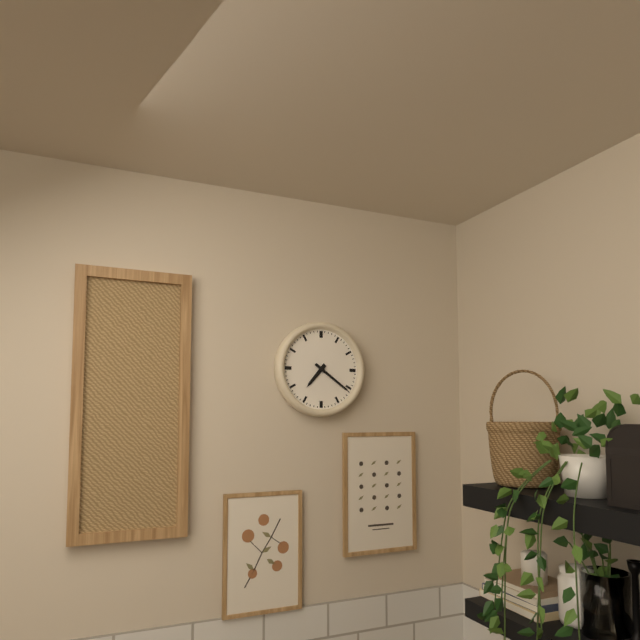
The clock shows h=7 m=21
